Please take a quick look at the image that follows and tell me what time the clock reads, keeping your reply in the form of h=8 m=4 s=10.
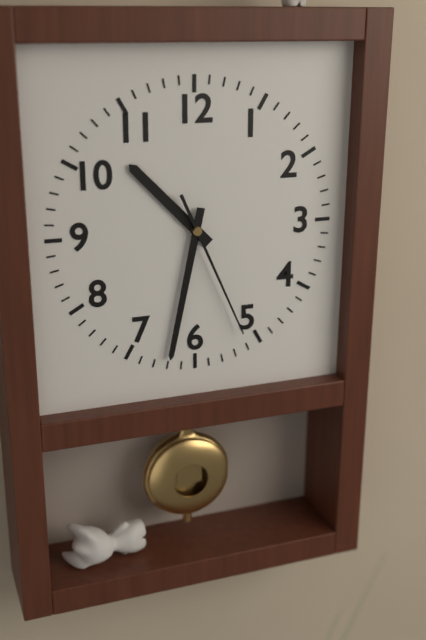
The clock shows h=10 m=32 s=26
